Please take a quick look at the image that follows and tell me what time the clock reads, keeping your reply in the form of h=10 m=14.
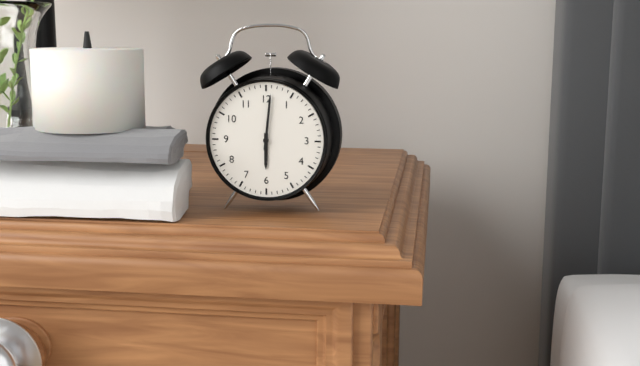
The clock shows h=6 m=1
